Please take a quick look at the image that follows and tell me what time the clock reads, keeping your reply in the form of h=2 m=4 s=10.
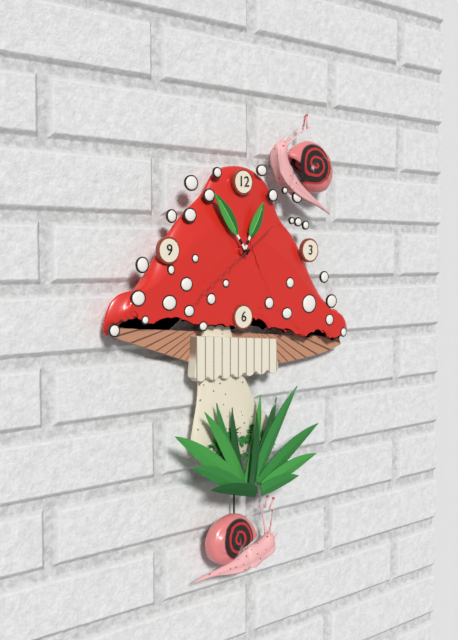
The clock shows h=12 m=54 s=39
